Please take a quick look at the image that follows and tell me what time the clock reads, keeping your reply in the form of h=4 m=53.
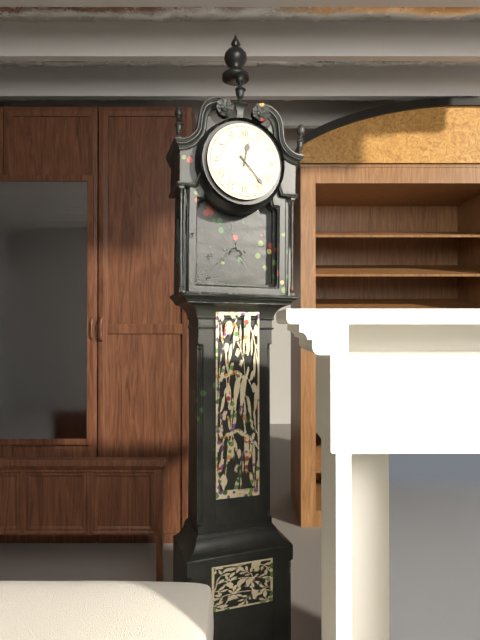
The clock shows h=12 m=23
